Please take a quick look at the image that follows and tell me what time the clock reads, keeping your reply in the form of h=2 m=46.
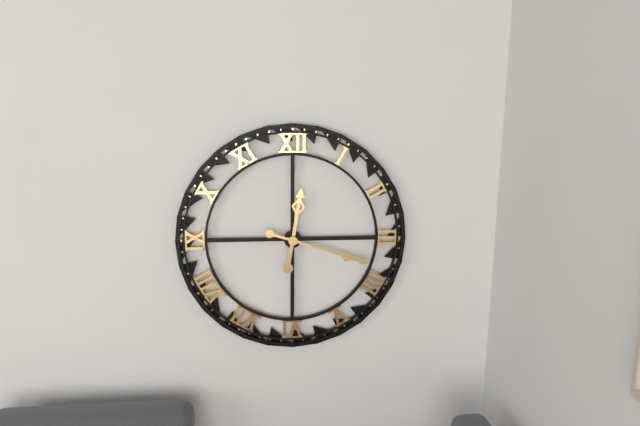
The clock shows h=12 m=18
